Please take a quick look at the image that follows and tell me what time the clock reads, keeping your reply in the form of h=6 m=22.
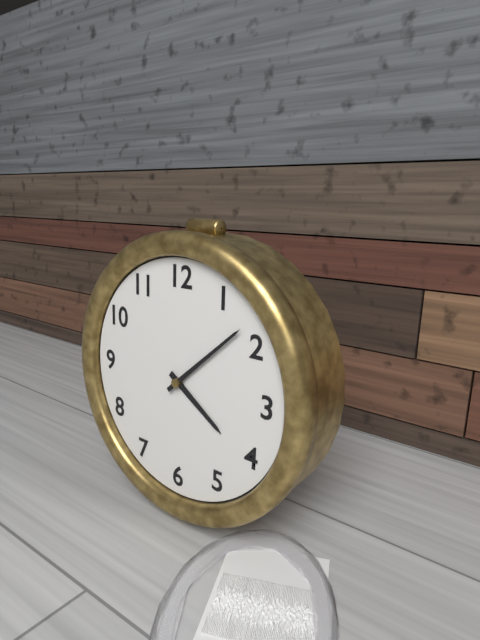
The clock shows h=4 m=8
